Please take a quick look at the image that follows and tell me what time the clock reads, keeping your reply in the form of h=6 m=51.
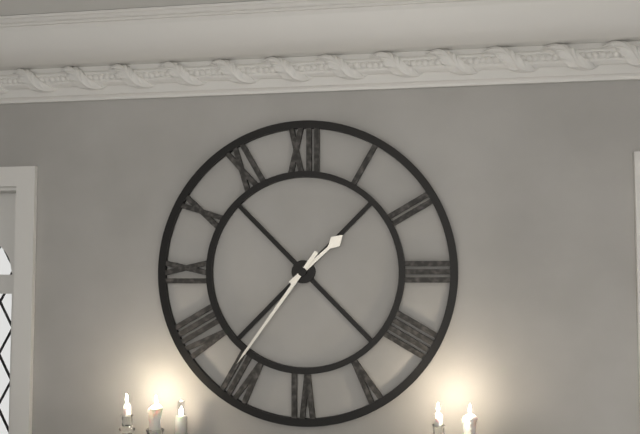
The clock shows h=1 m=36
